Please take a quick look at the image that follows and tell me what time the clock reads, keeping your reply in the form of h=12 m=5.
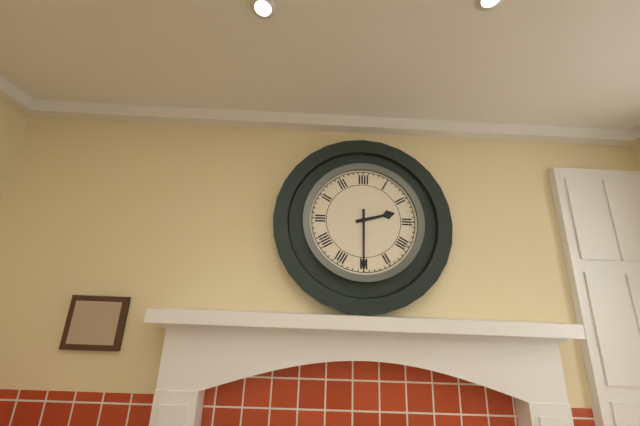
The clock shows h=2 m=30
